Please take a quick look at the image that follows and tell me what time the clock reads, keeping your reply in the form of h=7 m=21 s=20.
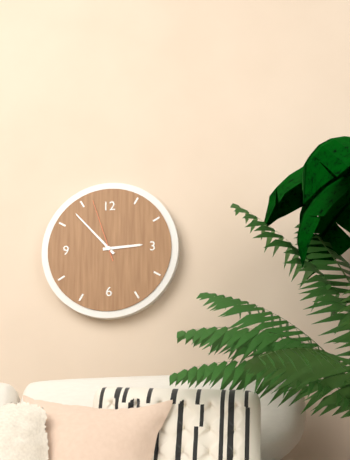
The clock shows h=2 m=53 s=57
